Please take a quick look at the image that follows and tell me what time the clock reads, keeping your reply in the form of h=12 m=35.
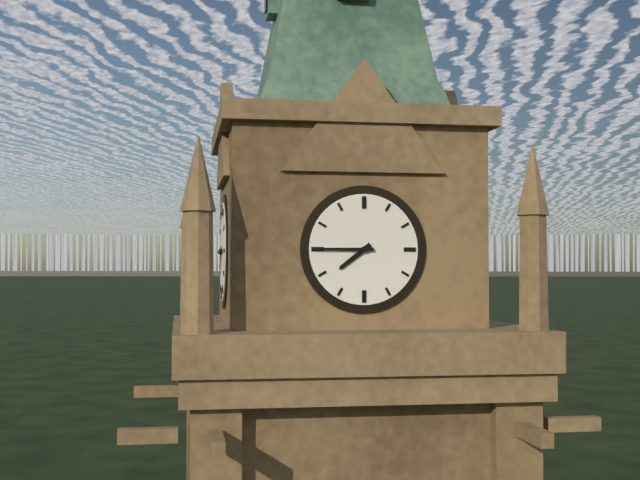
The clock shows h=7 m=45
